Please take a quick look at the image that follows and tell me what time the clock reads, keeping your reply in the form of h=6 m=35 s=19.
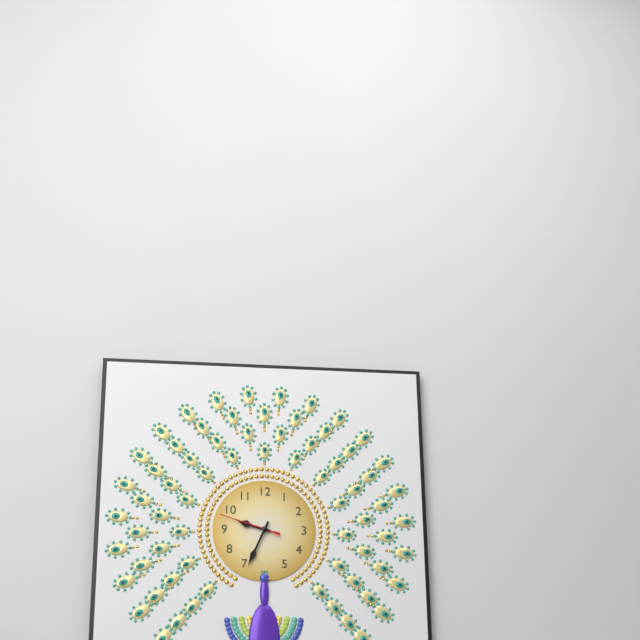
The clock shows h=9 m=34 s=48
